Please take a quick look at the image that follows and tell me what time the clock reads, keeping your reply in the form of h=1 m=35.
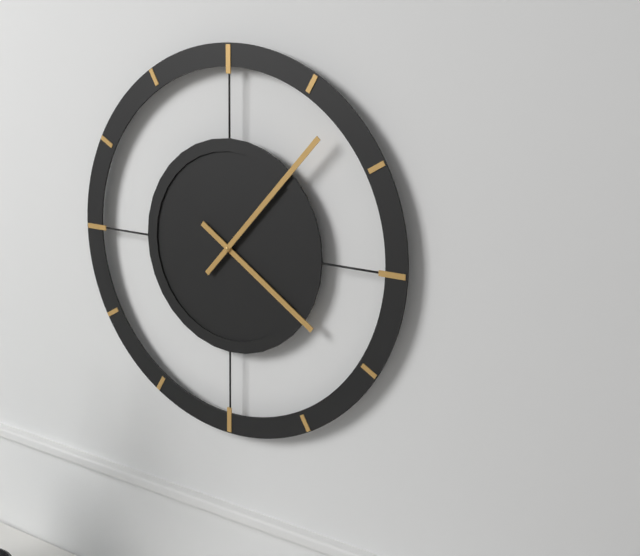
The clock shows h=4 m=7
